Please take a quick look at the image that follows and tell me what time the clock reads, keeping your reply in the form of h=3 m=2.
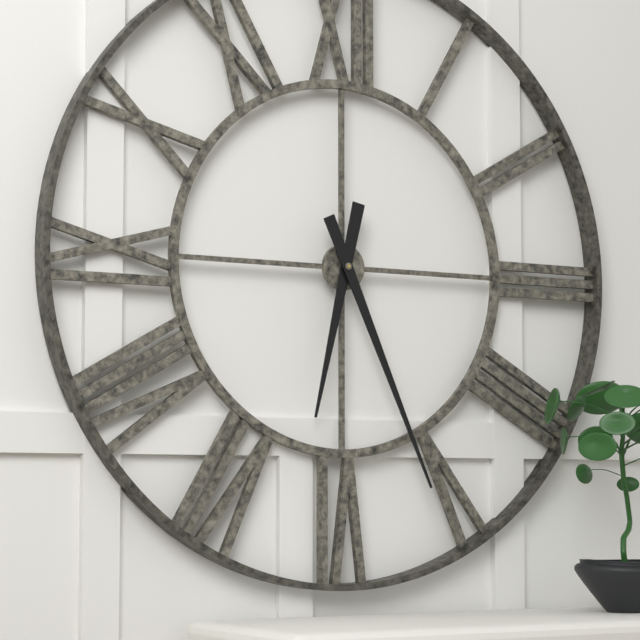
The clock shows h=6 m=26
